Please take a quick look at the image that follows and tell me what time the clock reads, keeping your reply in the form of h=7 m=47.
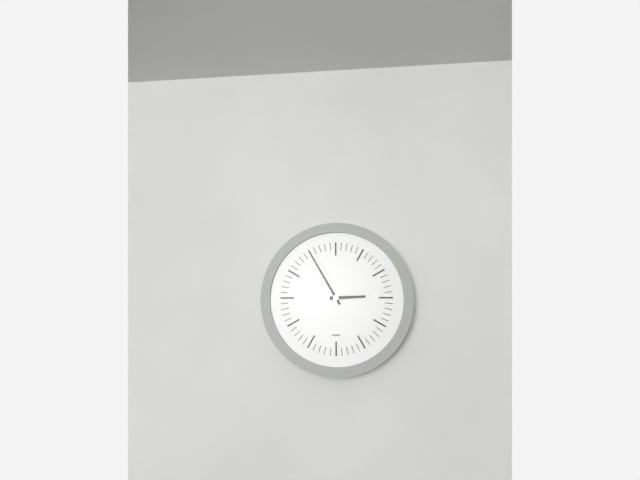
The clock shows h=2 m=55
